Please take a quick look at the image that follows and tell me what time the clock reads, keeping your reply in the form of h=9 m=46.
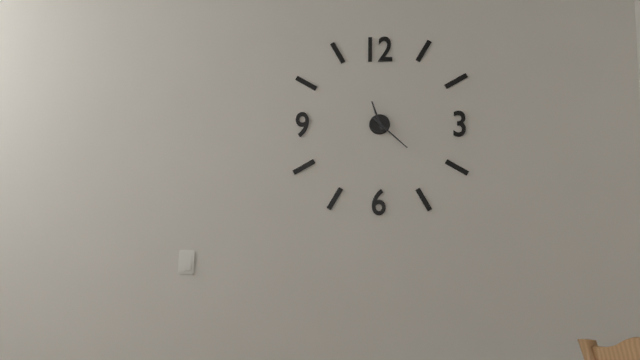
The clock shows h=11 m=22
